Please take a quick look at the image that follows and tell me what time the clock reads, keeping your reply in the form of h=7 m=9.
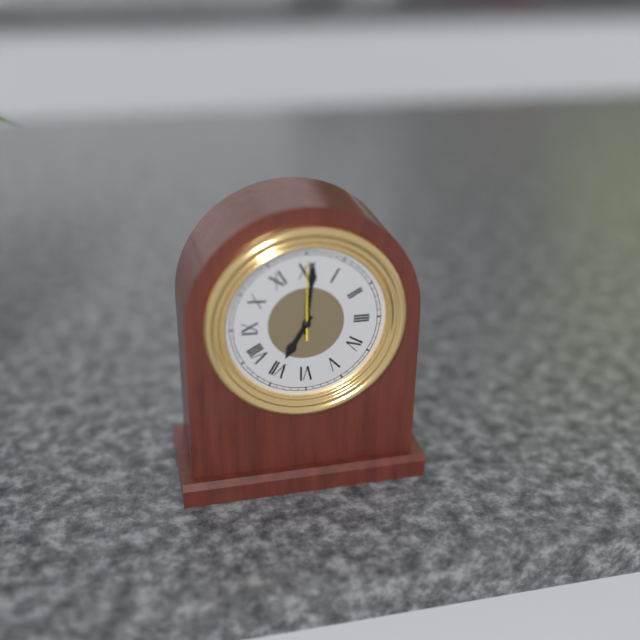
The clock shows h=7 m=1
